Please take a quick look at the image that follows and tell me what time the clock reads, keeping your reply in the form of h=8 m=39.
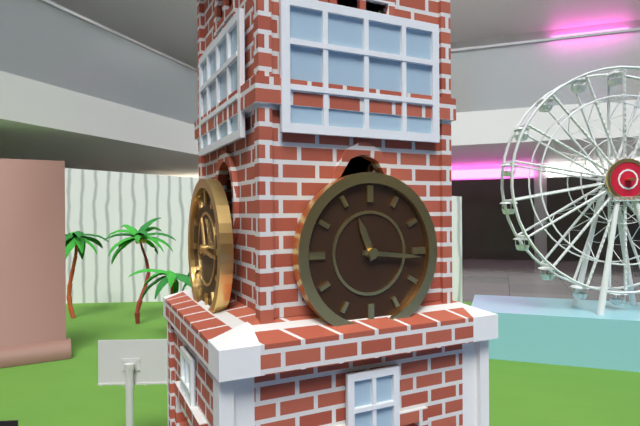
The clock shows h=11 m=16
